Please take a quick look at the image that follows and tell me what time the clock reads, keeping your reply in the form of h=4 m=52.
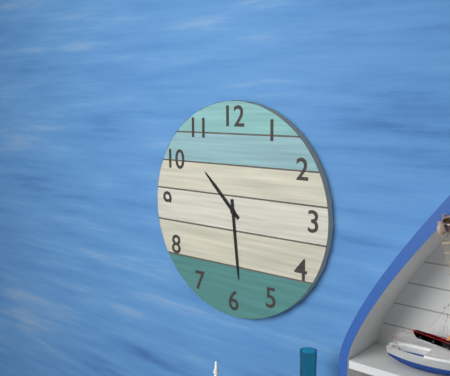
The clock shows h=10 m=29
